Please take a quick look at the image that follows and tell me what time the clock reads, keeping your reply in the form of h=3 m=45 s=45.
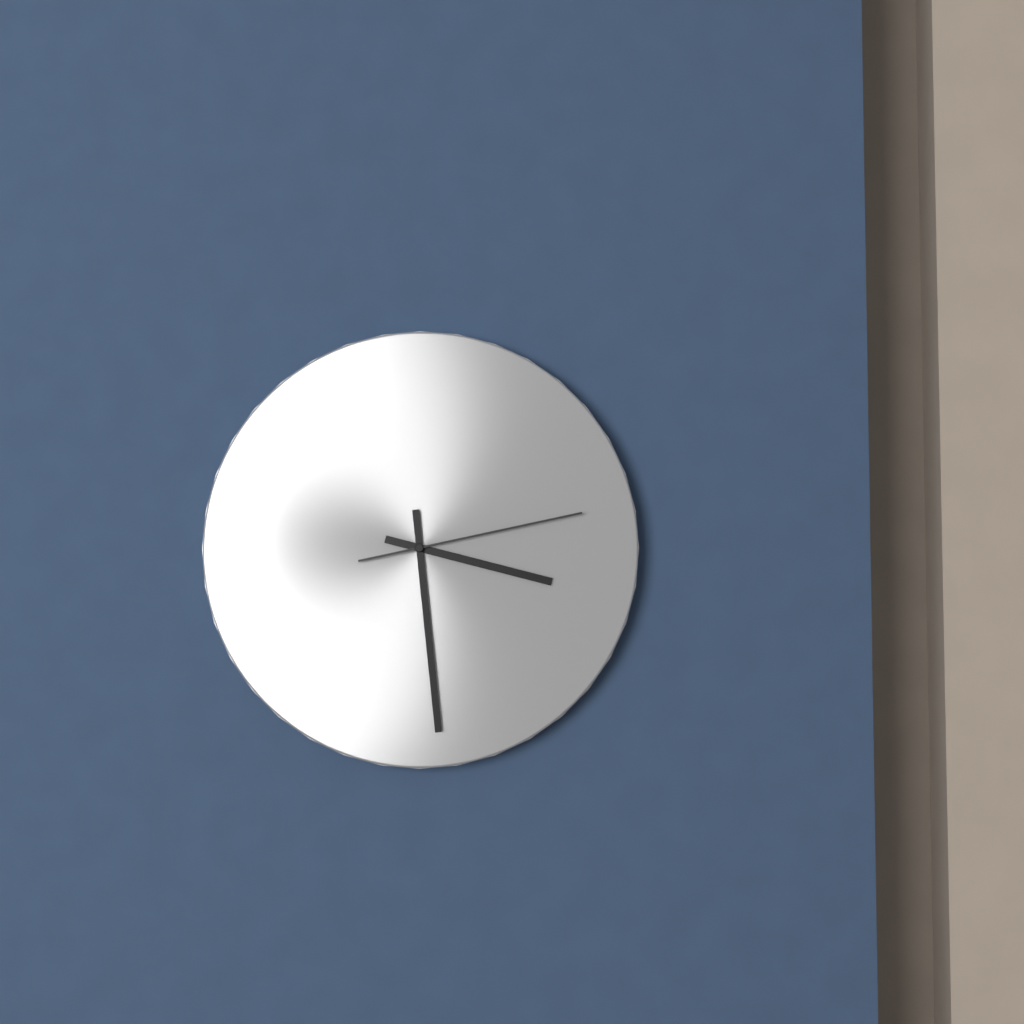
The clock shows h=3 m=29 s=13
